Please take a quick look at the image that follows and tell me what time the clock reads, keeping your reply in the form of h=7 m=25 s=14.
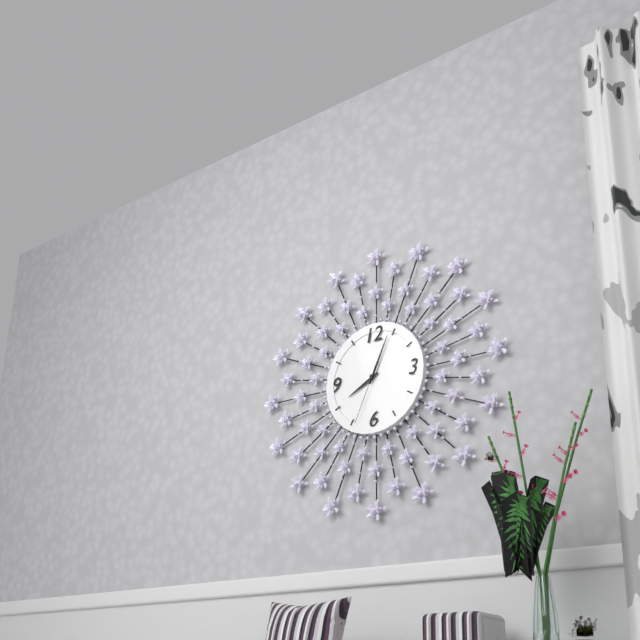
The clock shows h=8 m=4 s=34
